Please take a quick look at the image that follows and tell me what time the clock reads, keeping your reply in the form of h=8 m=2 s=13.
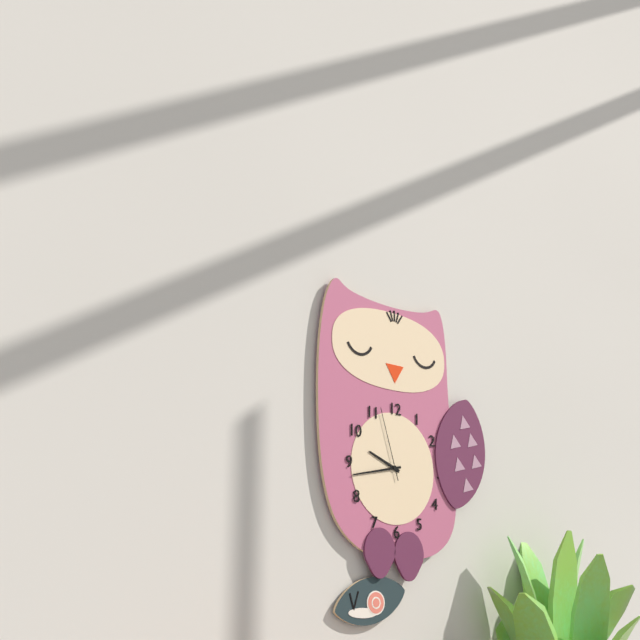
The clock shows h=9 m=43 s=57
